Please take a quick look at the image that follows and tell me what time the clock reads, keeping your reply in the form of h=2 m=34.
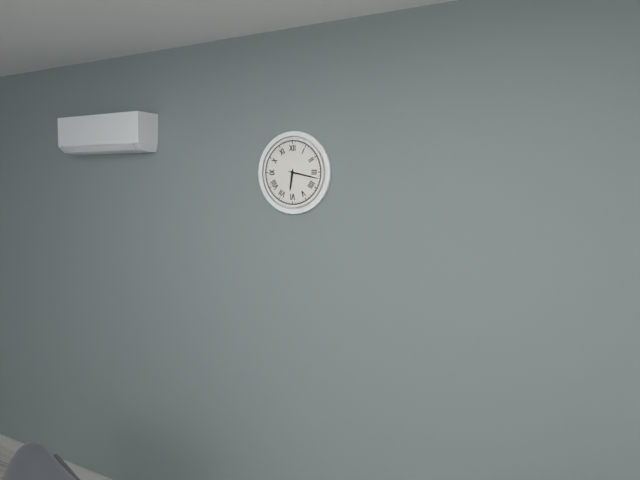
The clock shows h=6 m=17
